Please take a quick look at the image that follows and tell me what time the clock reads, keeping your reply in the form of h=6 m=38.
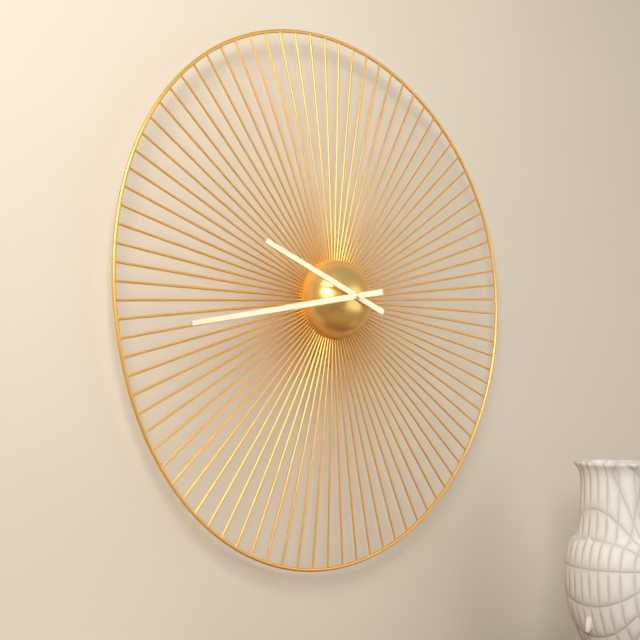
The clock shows h=9 m=43
